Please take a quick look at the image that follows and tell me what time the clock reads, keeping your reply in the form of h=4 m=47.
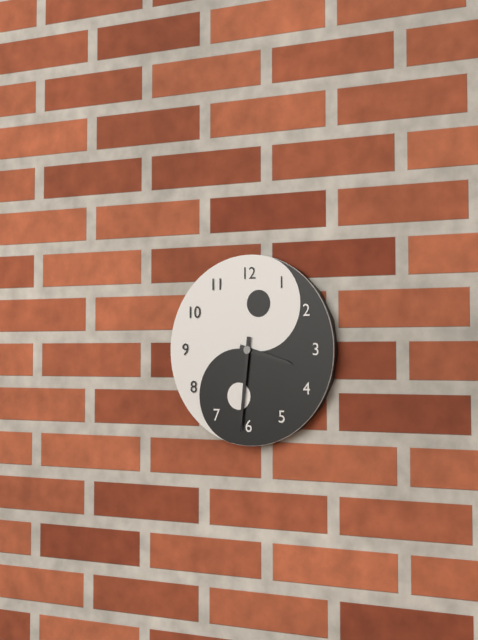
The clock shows h=3 m=31
